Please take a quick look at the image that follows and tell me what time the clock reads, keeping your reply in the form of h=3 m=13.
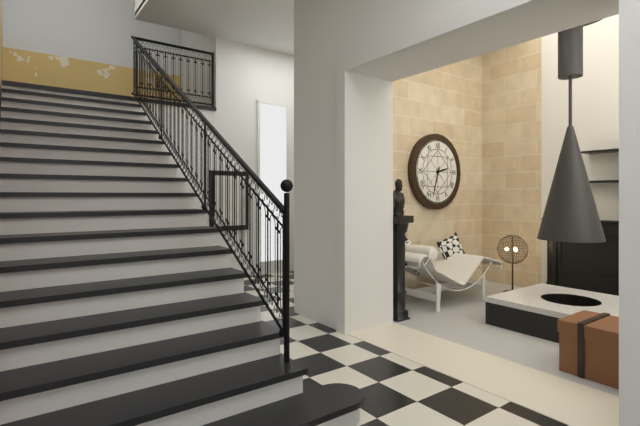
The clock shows h=2 m=33
